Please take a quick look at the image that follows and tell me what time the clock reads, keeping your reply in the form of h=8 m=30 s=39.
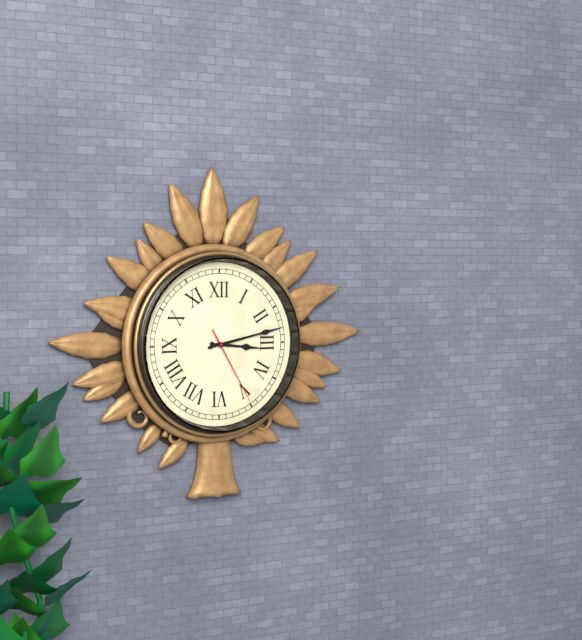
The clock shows h=3 m=13 s=25
